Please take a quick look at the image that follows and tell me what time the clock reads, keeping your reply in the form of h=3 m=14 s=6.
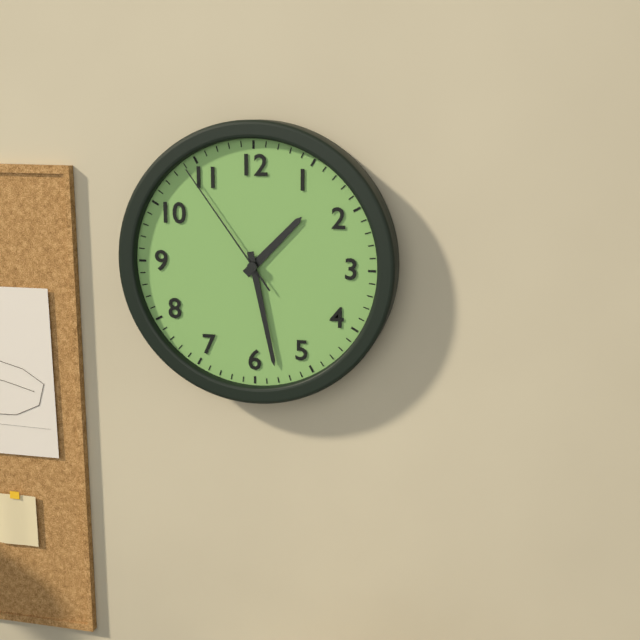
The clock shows h=1 m=28 s=54
